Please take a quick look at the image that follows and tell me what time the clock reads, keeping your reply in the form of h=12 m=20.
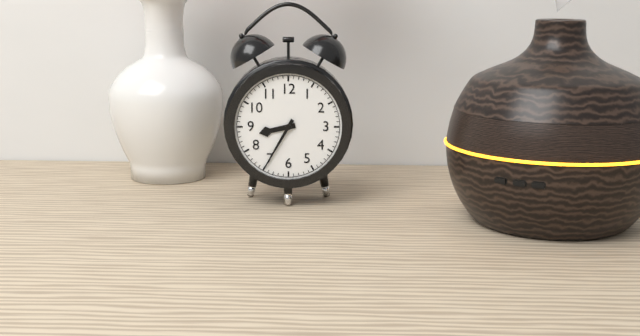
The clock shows h=8 m=35
